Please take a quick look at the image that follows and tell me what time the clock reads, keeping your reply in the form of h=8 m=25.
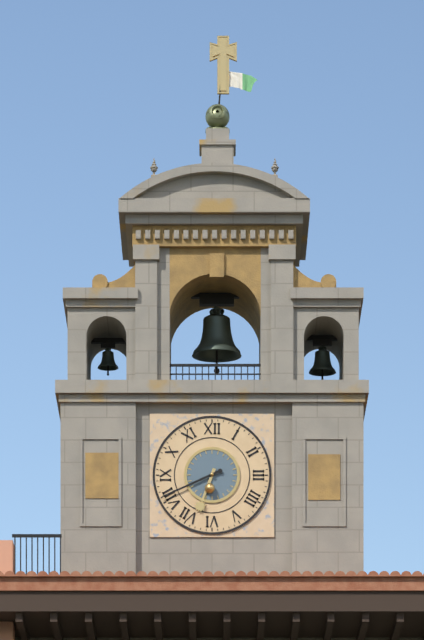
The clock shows h=6 m=41
